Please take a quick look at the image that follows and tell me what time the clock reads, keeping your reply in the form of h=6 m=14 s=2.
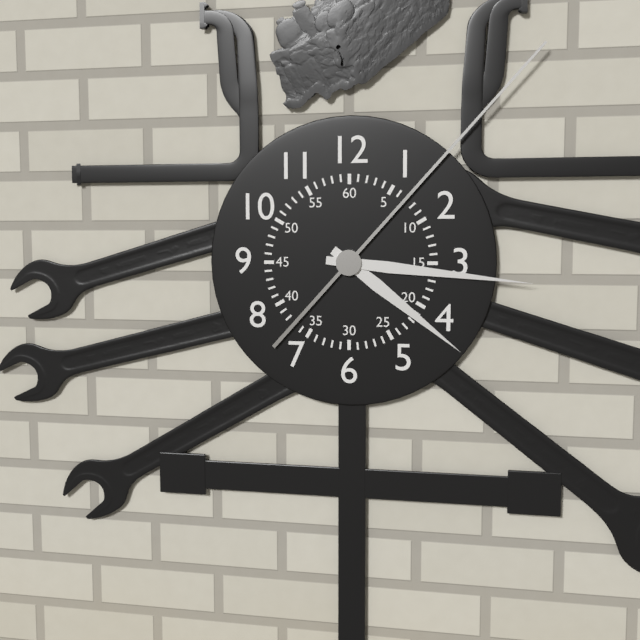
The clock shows h=4 m=16 s=7
